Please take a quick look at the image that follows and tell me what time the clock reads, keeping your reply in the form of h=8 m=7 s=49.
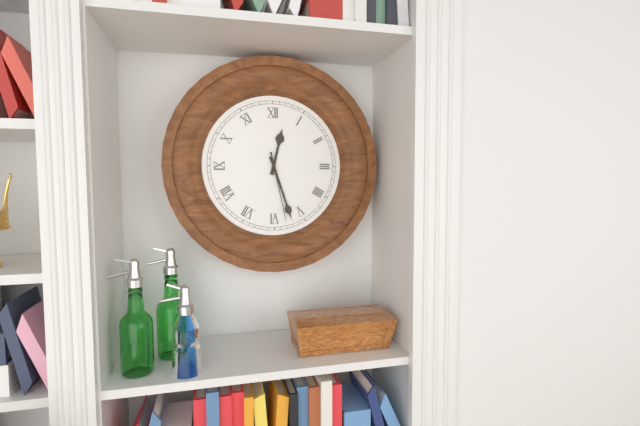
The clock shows h=12 m=27 s=28
